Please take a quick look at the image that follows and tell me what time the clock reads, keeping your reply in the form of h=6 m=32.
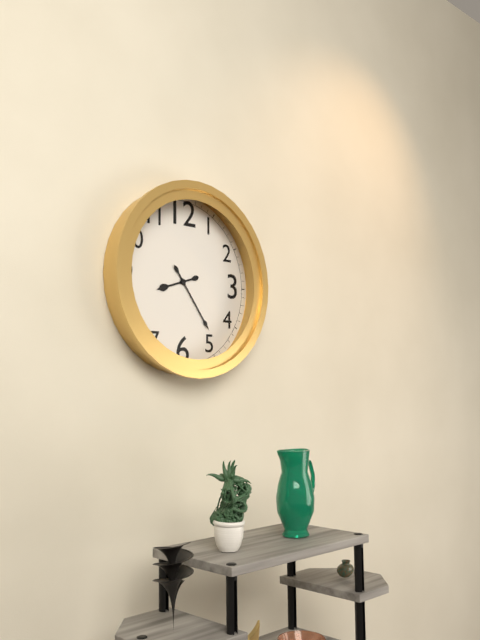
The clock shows h=8 m=24
